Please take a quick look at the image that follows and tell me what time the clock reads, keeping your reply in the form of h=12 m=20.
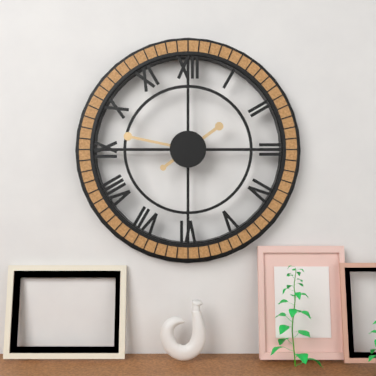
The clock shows h=1 m=47
